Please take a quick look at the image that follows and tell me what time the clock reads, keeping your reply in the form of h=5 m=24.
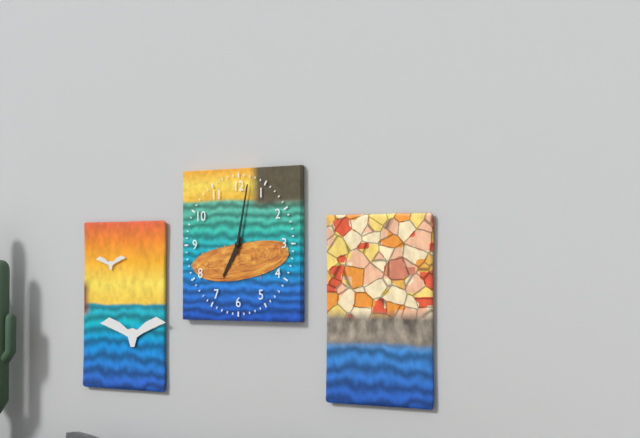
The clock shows h=7 m=2
